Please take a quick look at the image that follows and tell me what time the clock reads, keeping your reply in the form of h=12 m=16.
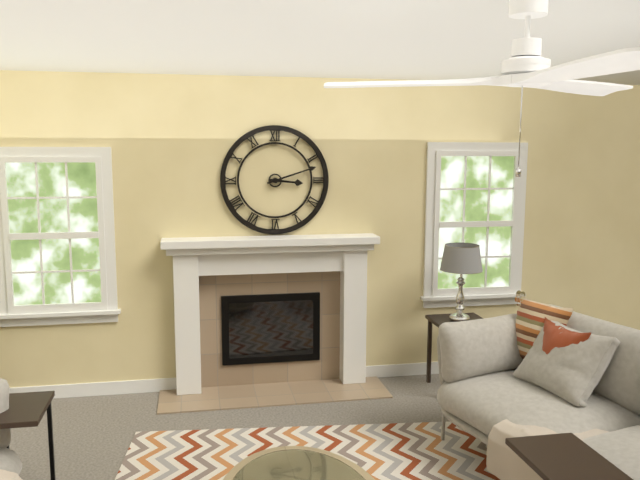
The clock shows h=3 m=12
